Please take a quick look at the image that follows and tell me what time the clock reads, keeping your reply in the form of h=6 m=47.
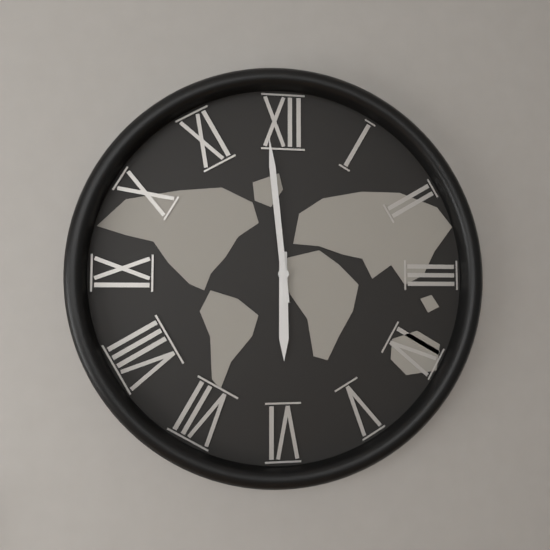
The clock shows h=5 m=59
